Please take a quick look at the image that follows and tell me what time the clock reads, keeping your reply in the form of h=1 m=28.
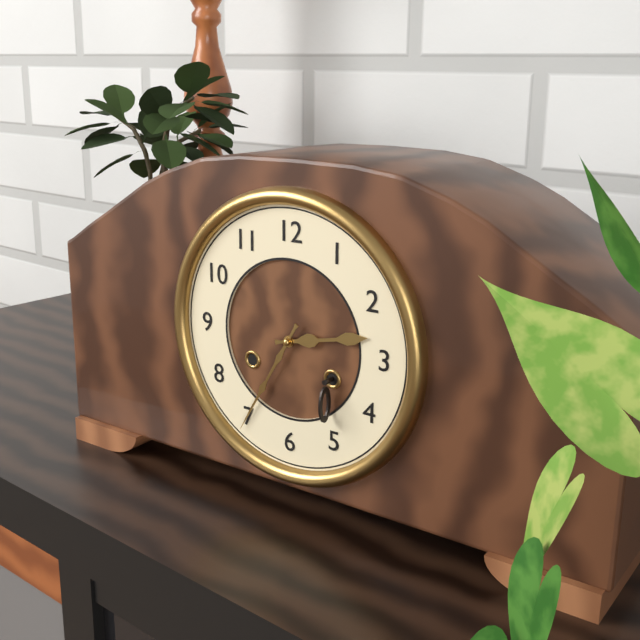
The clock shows h=2 m=35
